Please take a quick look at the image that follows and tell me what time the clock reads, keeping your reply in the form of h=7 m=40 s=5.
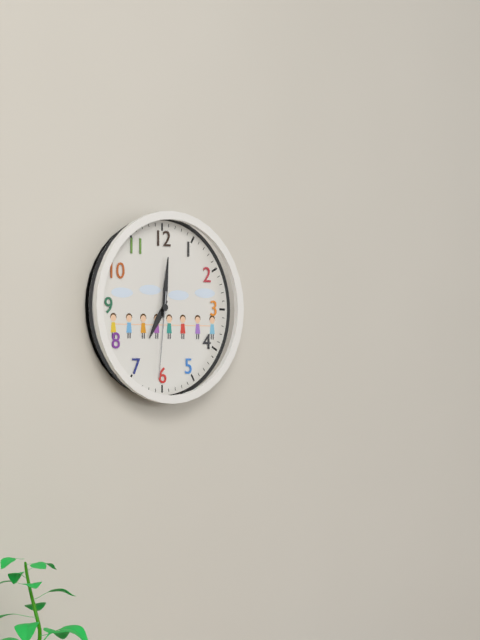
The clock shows h=7 m=1 s=31
